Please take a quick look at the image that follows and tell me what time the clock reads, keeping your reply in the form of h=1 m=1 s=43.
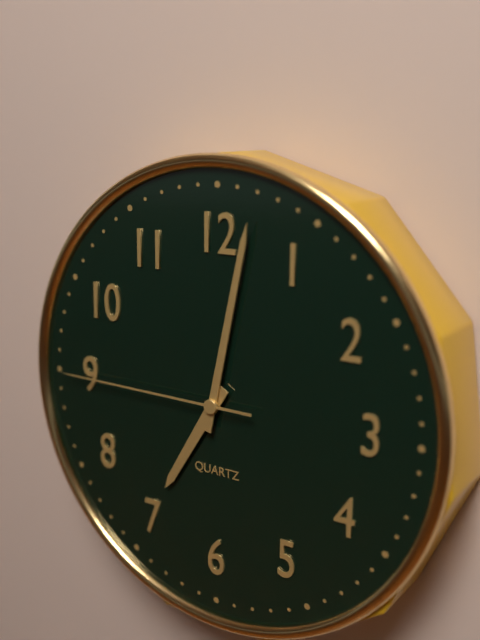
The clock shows h=7 m=2 s=45
